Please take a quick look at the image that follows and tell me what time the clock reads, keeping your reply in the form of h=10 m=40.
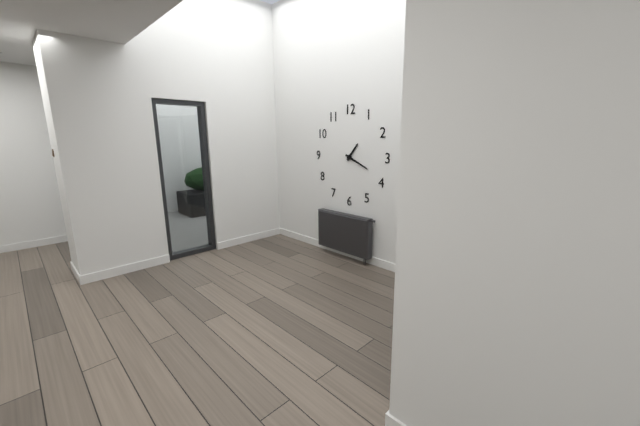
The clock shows h=1 m=19
